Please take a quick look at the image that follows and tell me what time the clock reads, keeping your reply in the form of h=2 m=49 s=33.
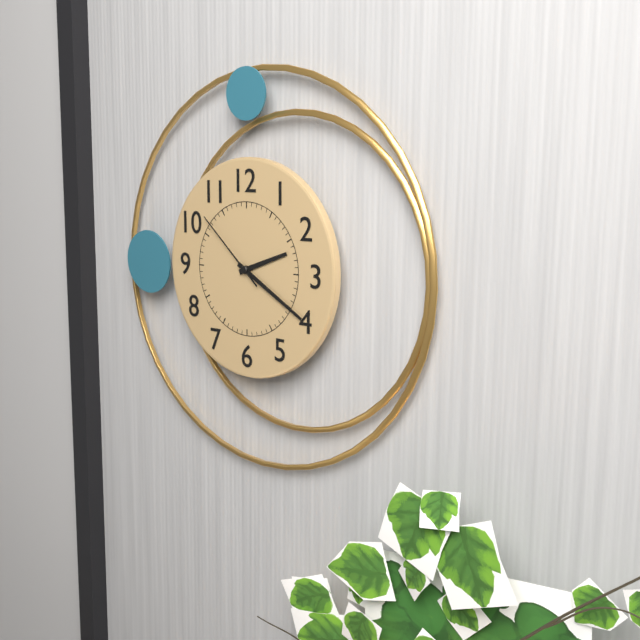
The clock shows h=2 m=20 s=52
